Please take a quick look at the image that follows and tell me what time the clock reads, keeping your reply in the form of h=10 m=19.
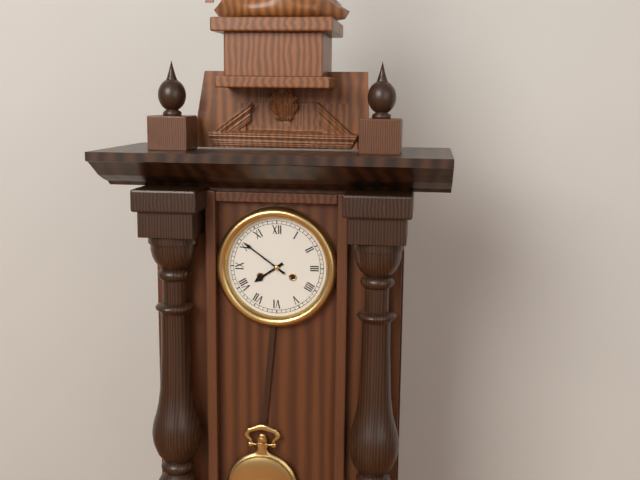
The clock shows h=7 m=51
